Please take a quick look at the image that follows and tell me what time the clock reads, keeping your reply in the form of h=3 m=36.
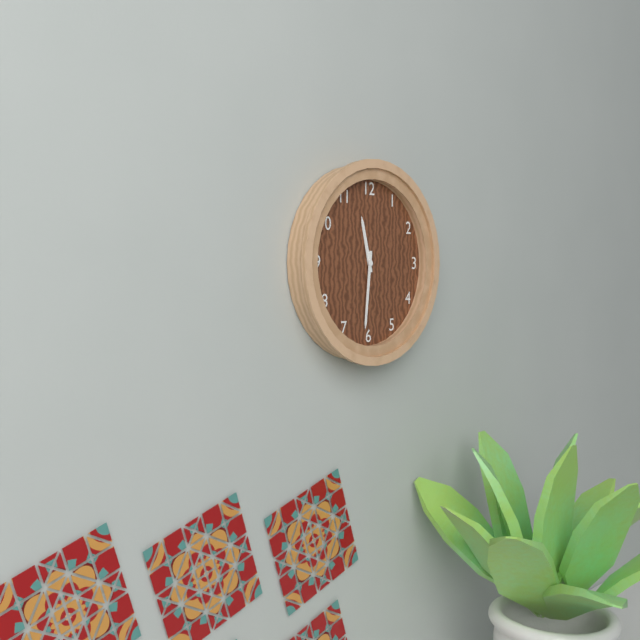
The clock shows h=11 m=31
